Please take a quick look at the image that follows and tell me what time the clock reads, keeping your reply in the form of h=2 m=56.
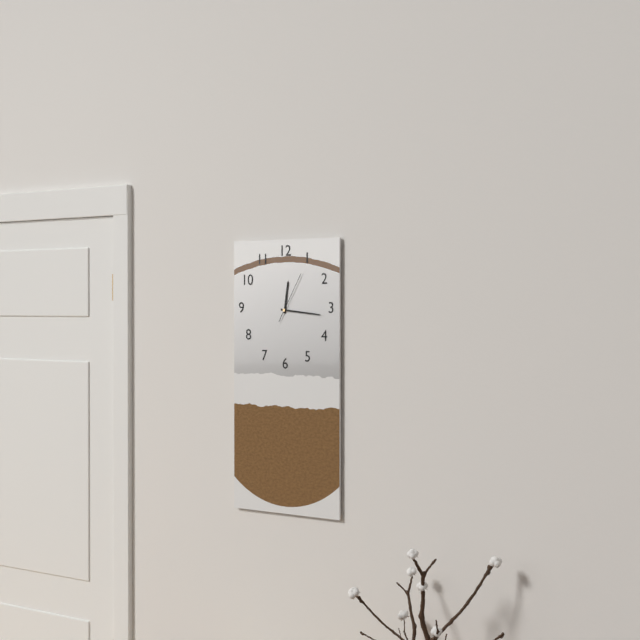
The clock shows h=12 m=16
